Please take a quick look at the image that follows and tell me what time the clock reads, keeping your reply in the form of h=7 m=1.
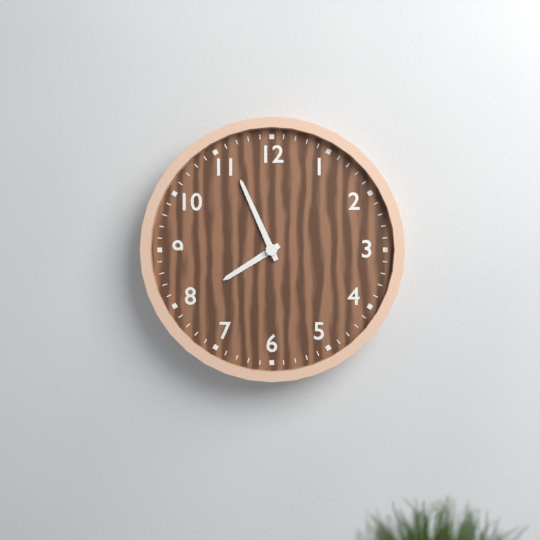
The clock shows h=7 m=56
